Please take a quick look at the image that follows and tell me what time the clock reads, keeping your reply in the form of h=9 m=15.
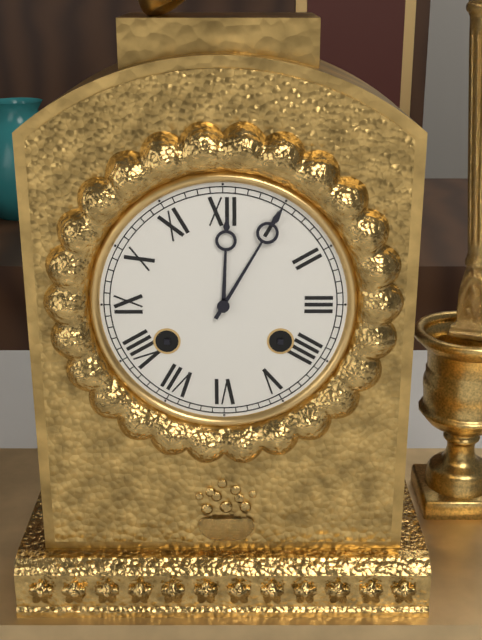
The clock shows h=12 m=5
